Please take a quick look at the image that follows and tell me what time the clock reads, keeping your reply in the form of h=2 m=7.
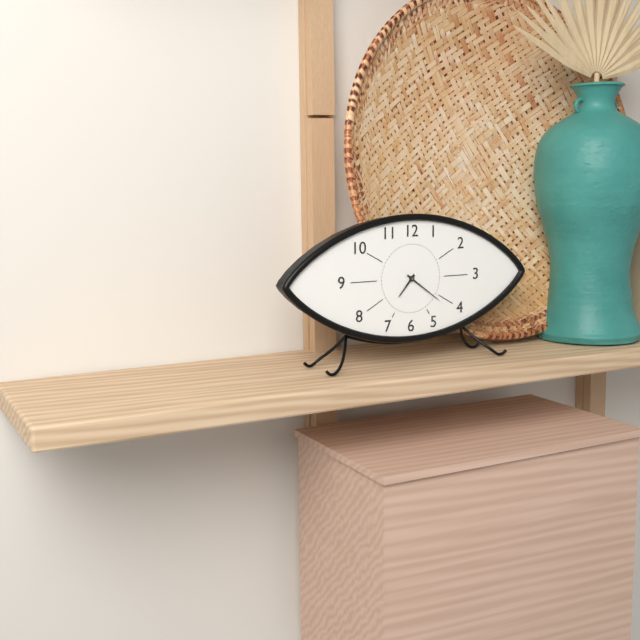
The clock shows h=7 m=21
